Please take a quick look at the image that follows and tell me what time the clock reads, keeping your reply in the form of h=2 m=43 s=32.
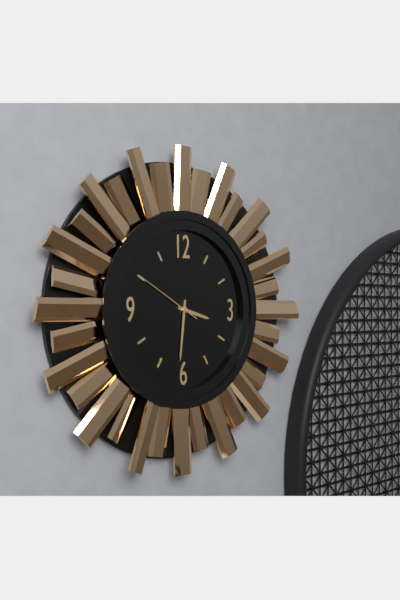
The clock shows h=3 m=31 s=50
